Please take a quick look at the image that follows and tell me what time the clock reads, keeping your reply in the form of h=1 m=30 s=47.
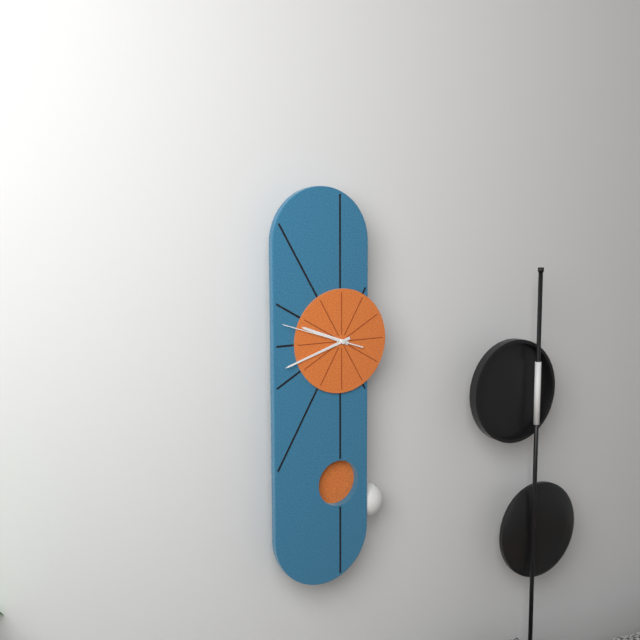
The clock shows h=9 m=42 s=48
